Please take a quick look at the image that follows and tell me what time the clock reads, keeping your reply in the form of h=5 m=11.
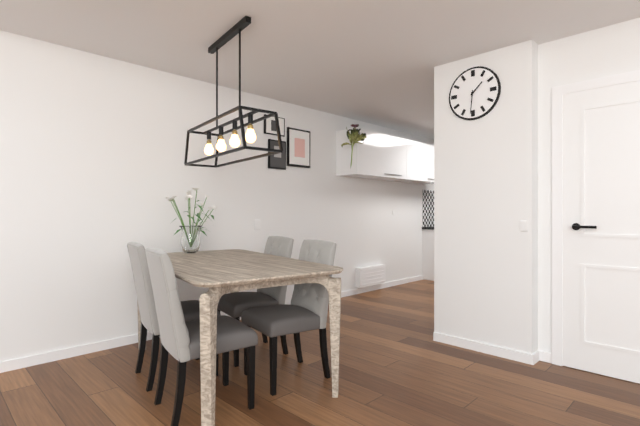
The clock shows h=1 m=31
